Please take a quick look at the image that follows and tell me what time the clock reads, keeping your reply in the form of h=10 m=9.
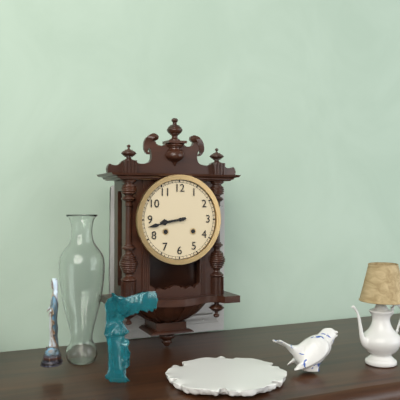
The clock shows h=8 m=43
